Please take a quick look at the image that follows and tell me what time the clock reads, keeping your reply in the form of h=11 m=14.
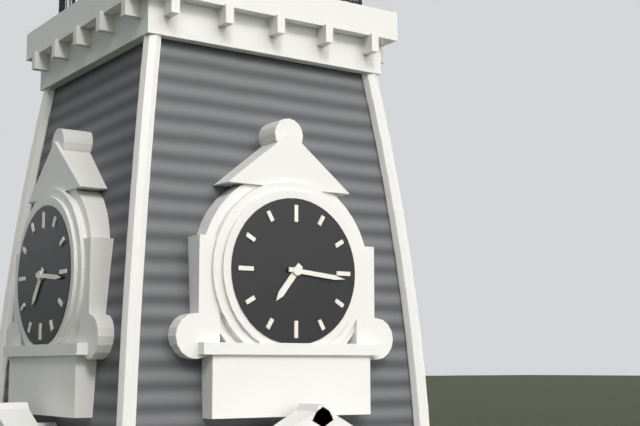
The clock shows h=7 m=16
